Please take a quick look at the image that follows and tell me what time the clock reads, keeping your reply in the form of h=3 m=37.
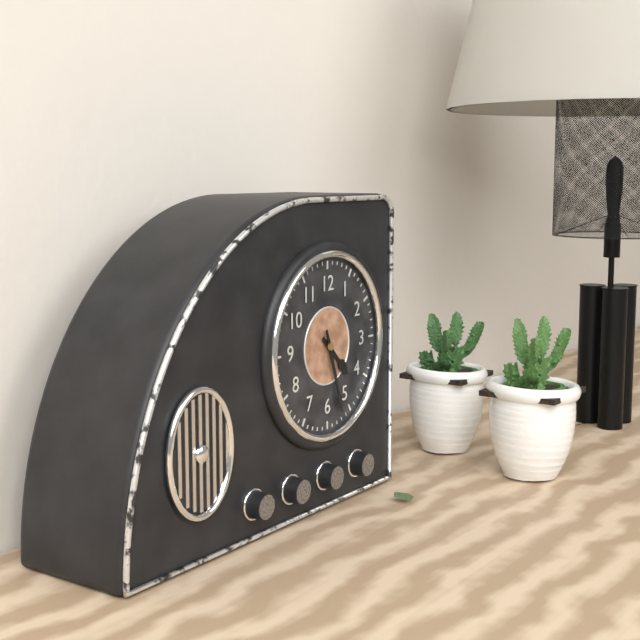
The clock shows h=4 m=27
